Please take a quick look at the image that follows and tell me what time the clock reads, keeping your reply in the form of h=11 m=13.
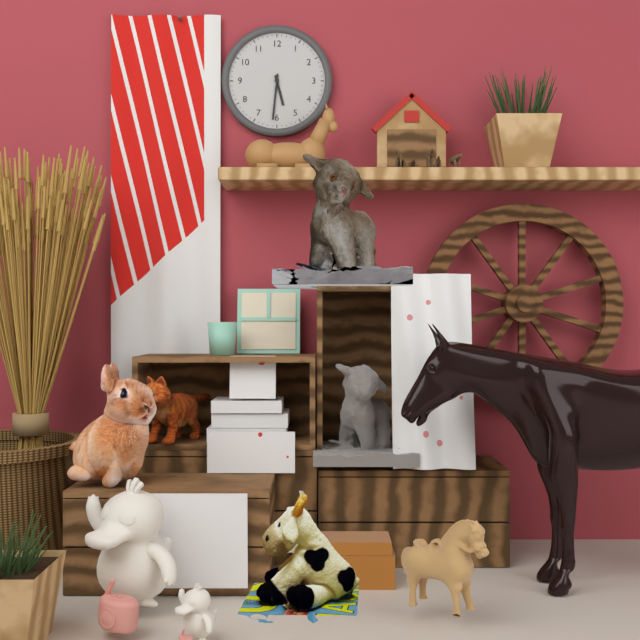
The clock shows h=5 m=31
